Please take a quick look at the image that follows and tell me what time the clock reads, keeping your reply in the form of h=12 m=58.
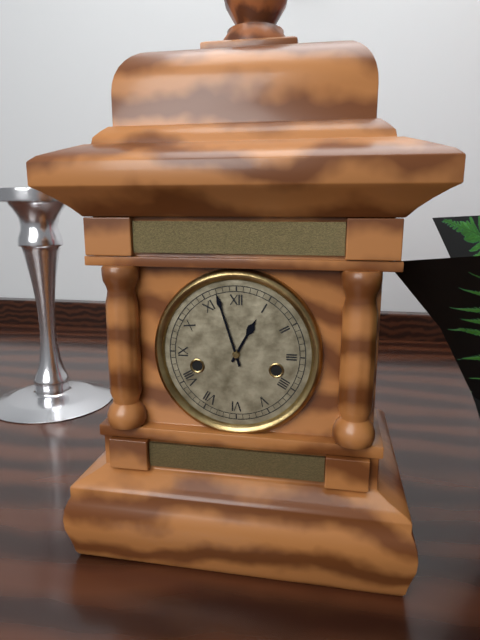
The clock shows h=12 m=57
